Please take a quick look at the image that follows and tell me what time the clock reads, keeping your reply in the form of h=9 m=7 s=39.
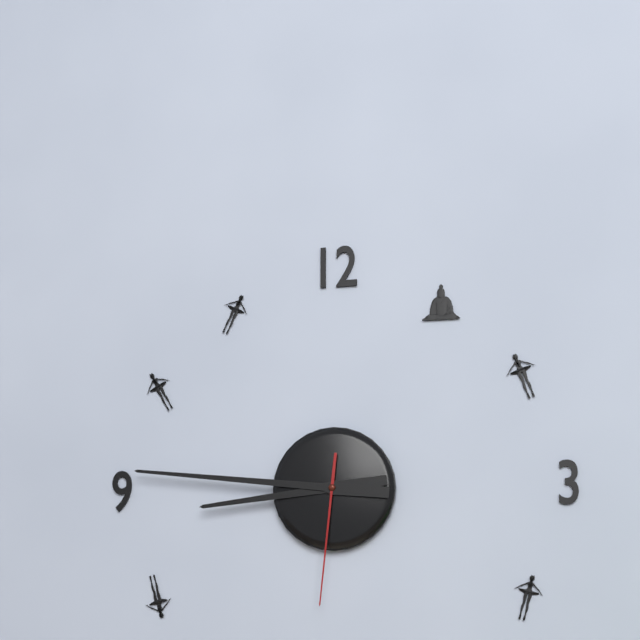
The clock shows h=8 m=46 s=31
